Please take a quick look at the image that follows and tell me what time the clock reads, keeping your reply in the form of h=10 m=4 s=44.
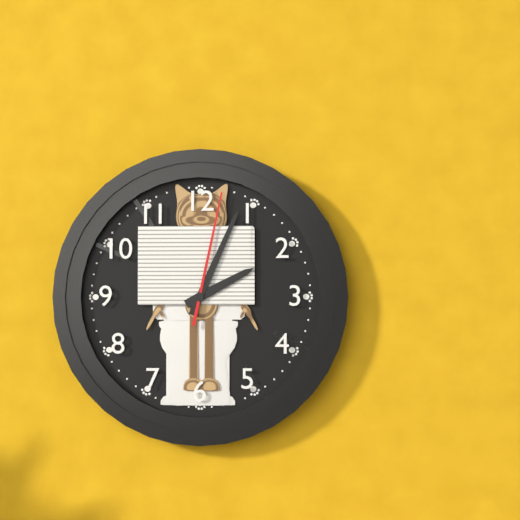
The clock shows h=2 m=4 s=2
